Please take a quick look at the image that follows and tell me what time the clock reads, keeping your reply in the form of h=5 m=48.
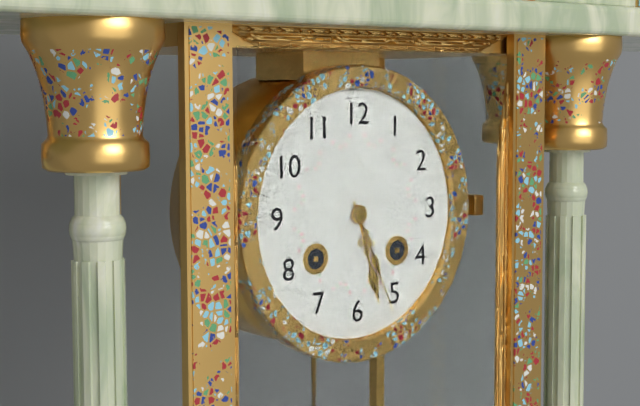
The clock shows h=5 m=26
